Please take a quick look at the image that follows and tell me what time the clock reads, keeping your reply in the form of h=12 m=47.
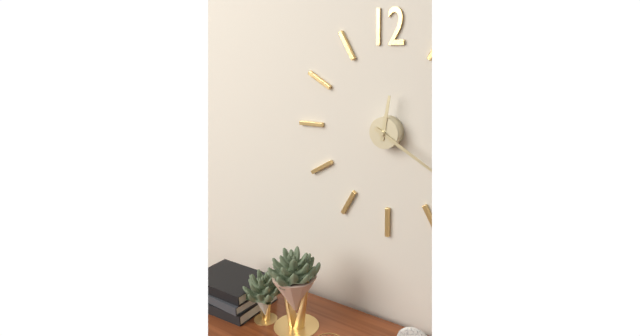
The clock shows h=12 m=20
